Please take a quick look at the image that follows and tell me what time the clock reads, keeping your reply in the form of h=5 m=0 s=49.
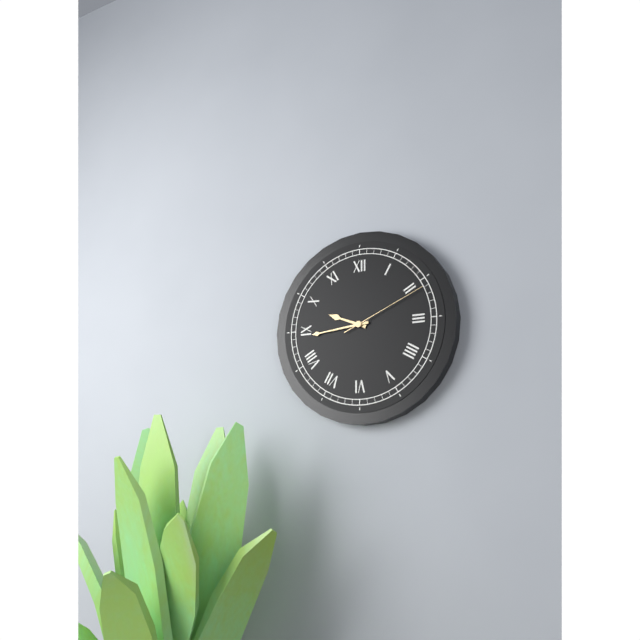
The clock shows h=9 m=44 s=11
